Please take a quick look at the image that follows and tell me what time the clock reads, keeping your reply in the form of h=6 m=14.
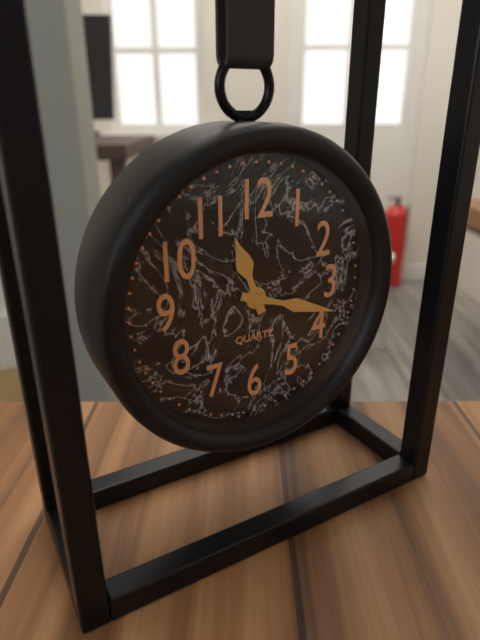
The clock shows h=11 m=18
